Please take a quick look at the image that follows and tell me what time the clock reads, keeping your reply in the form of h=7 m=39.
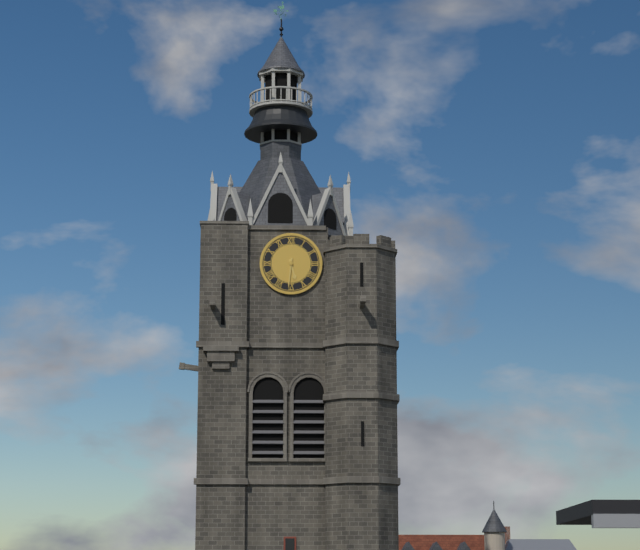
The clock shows h=5 m=31
